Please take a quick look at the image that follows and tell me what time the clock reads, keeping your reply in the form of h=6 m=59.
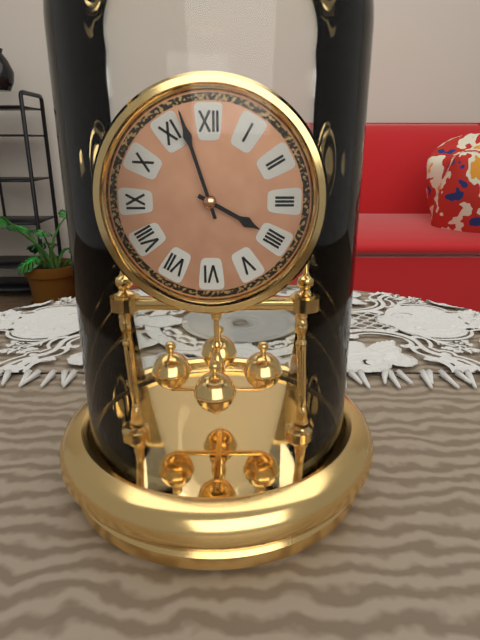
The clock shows h=3 m=57
